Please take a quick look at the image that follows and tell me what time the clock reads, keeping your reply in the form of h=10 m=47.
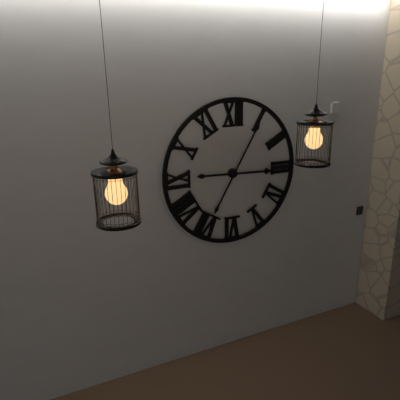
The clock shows h=3 m=5
